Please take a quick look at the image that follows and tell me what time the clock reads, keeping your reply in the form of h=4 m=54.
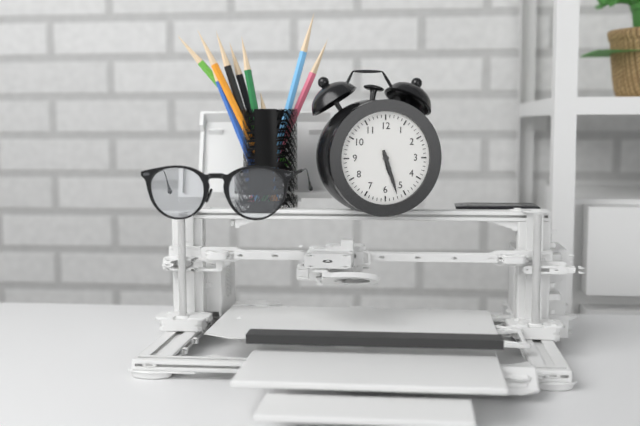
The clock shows h=5 m=27
